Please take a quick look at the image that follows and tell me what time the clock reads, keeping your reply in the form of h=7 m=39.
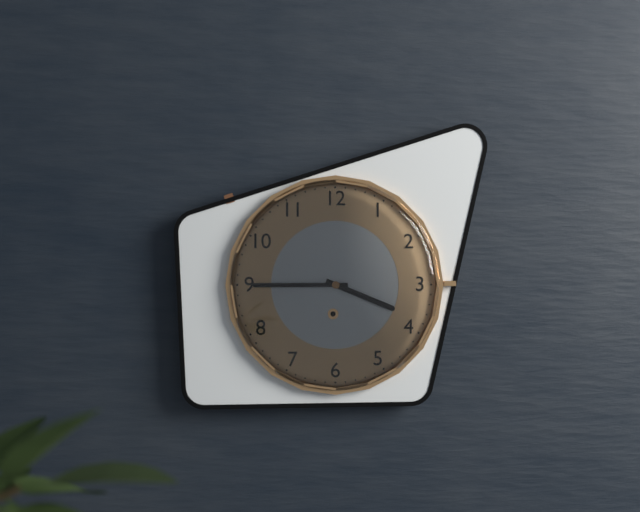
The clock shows h=3 m=45
